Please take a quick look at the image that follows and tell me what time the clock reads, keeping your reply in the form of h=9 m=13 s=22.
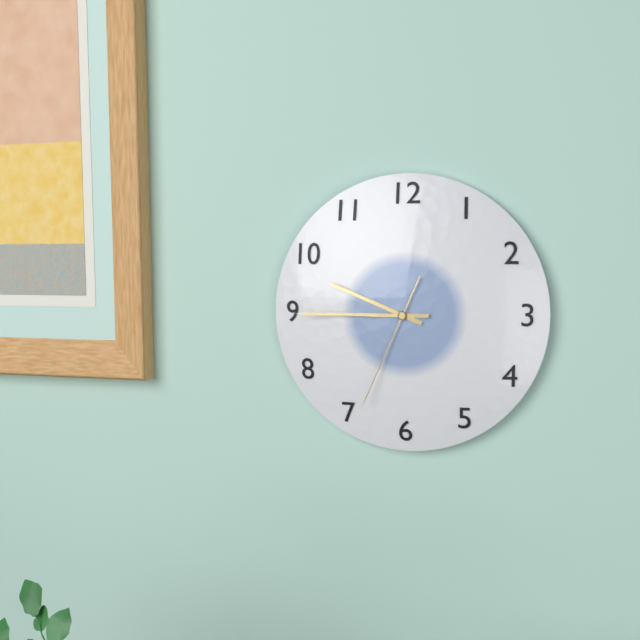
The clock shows h=9 m=45 s=34
